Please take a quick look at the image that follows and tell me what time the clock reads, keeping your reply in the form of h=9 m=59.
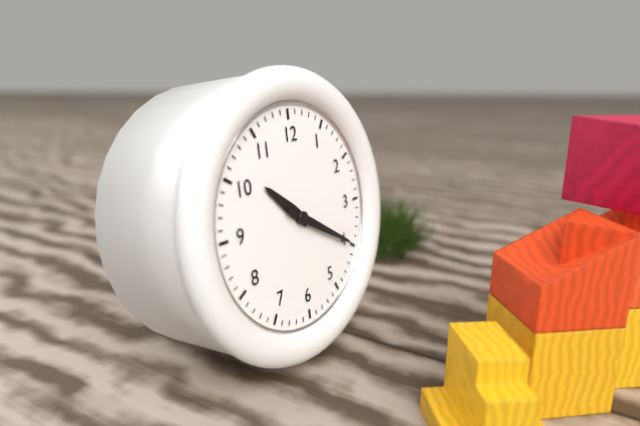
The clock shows h=10 m=20
